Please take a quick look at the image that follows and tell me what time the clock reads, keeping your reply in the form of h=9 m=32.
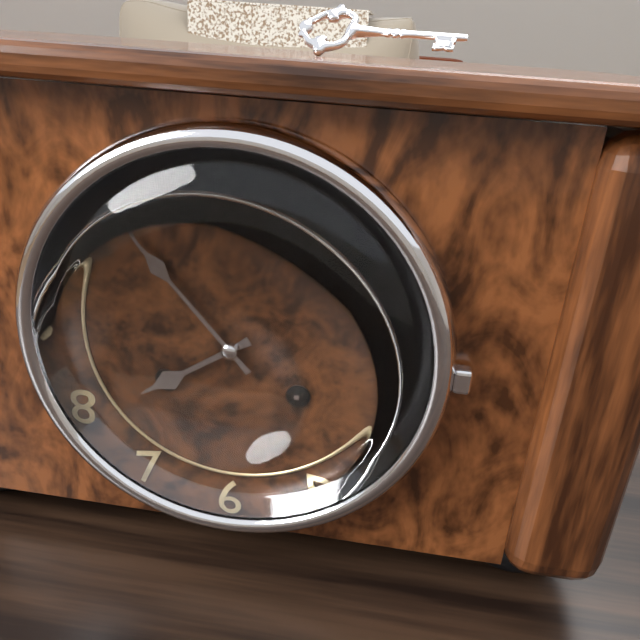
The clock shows h=7 m=53
